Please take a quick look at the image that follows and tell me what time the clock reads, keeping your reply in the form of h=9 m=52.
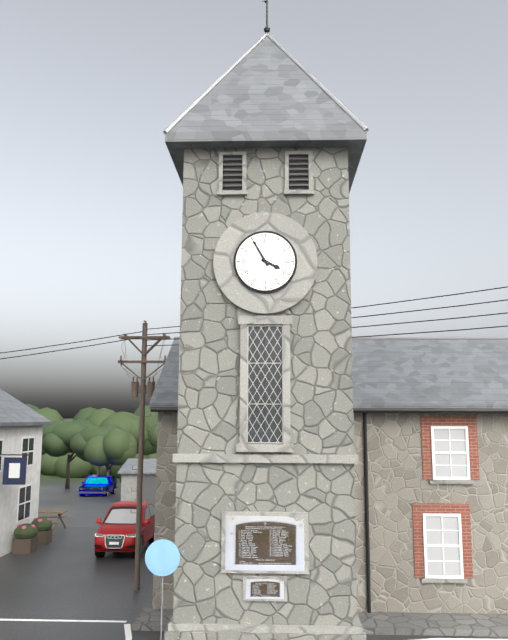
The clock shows h=3 m=55
